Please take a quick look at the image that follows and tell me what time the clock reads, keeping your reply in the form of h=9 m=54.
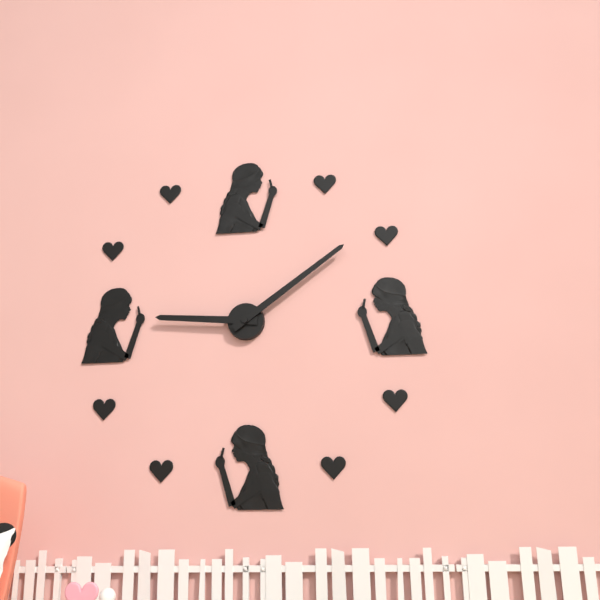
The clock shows h=9 m=9
